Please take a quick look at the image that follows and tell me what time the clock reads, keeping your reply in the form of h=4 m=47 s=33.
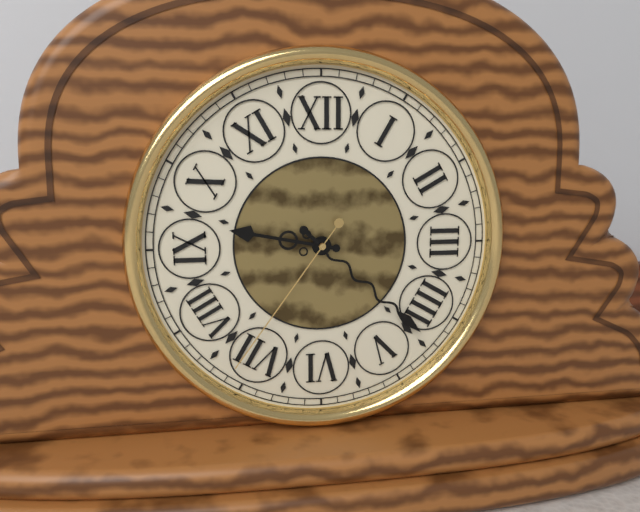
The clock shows h=9 m=22 s=36
